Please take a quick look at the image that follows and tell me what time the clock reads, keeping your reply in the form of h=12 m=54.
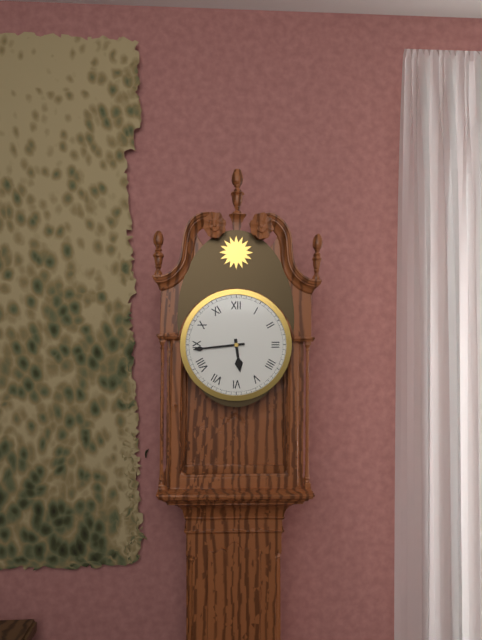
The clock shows h=5 m=44
